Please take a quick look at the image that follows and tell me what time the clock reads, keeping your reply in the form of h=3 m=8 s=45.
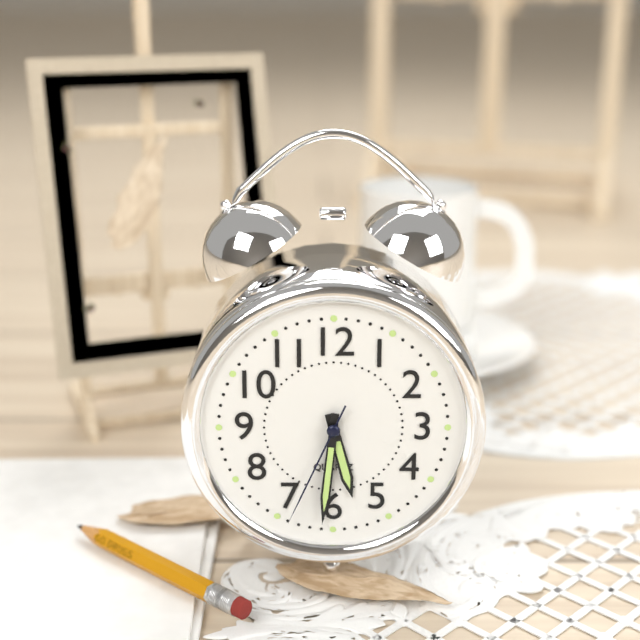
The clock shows h=5 m=31 s=34
